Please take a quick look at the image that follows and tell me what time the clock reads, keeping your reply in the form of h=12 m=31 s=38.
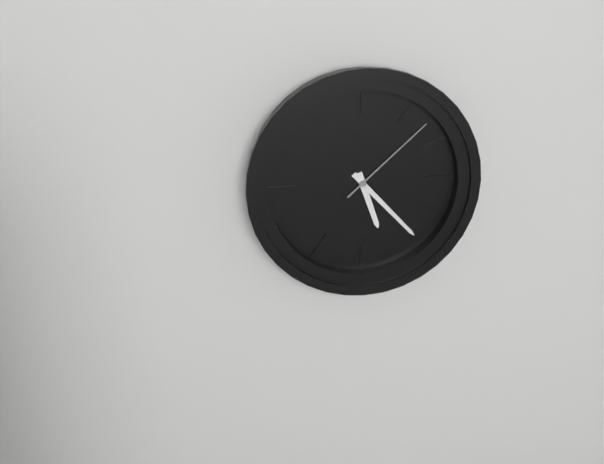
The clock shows h=5 m=23 s=8
